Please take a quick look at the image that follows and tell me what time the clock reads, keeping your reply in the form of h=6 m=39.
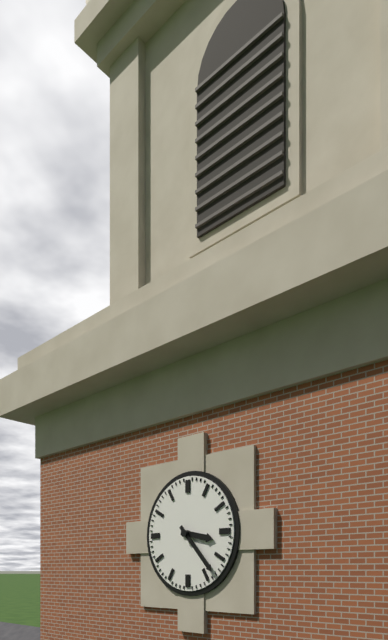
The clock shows h=3 m=23
